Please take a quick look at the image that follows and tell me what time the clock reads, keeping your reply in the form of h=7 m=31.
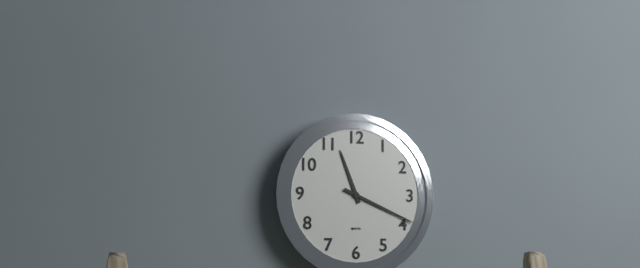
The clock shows h=11 m=19
